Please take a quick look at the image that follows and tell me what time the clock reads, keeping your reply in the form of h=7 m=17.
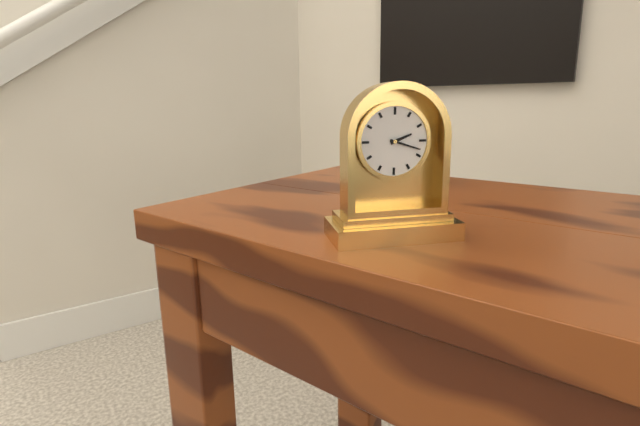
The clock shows h=2 m=18
